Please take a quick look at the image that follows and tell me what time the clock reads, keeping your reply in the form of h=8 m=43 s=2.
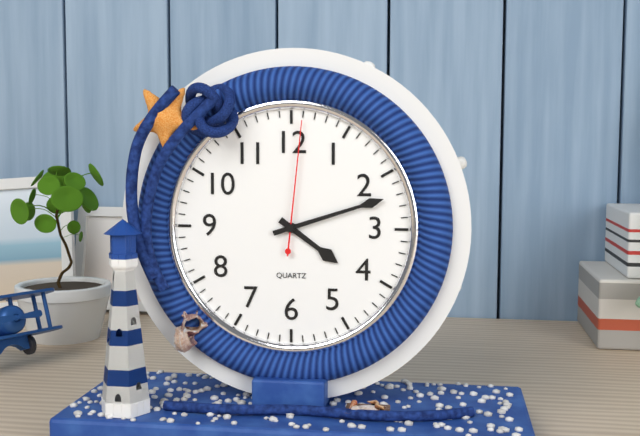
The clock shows h=4 m=12 s=1
